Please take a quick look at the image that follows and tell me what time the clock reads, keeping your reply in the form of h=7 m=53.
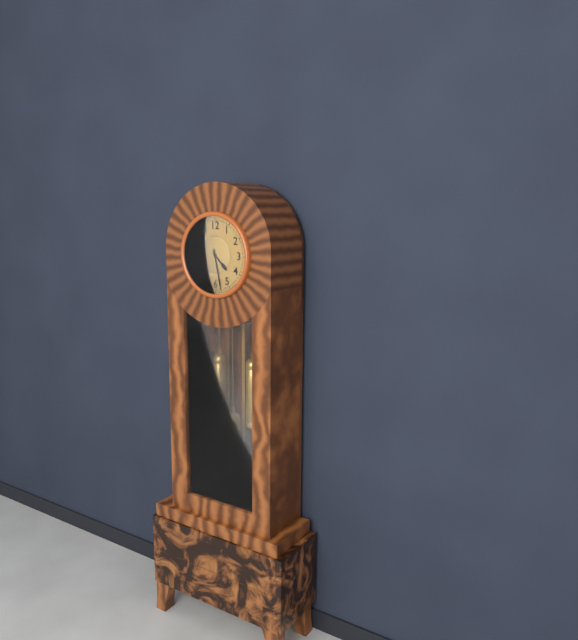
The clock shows h=4 m=28
